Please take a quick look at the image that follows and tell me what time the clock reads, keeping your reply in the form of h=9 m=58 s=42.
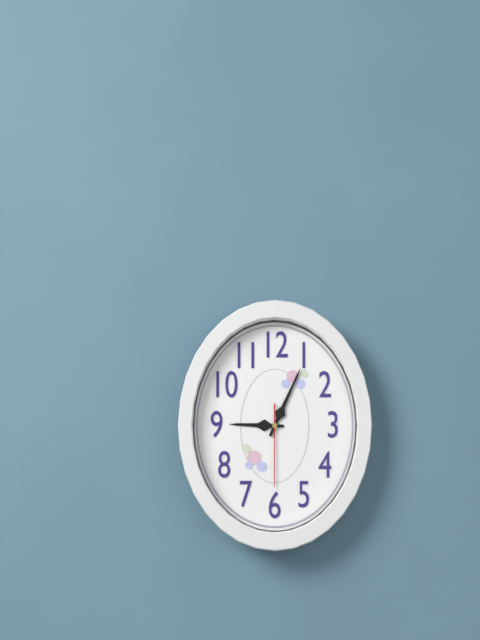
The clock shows h=9 m=4 s=30
